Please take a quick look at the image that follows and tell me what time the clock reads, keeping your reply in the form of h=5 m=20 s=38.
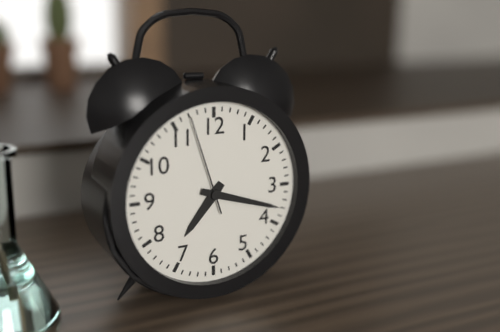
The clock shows h=7 m=18 s=57
